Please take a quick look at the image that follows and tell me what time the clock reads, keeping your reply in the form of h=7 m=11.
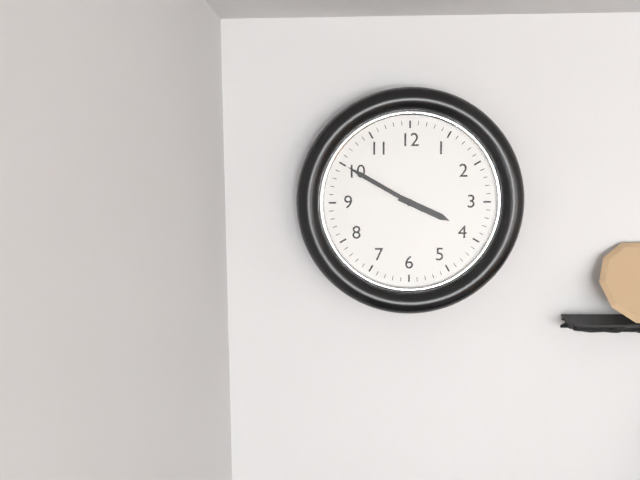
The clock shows h=3 m=50
